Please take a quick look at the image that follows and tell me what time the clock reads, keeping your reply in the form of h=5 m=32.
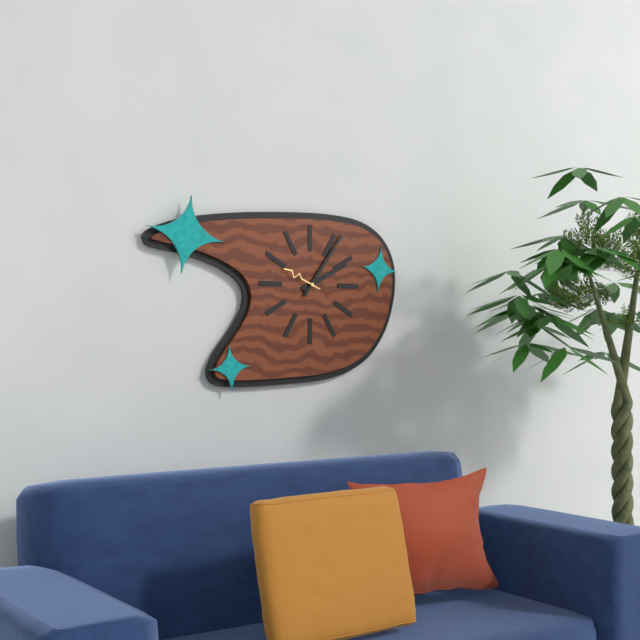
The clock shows h=2 m=6
